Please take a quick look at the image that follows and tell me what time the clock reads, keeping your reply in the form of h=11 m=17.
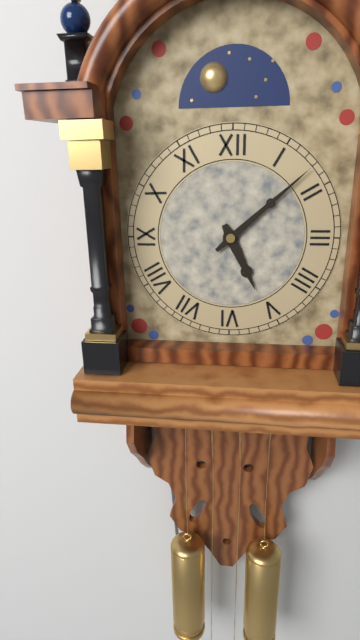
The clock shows h=5 m=8
